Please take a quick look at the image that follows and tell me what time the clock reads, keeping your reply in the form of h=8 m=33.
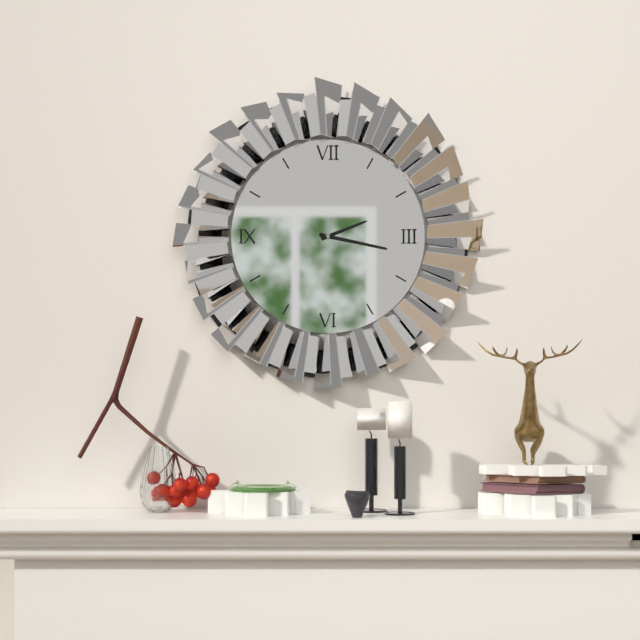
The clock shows h=2 m=17
